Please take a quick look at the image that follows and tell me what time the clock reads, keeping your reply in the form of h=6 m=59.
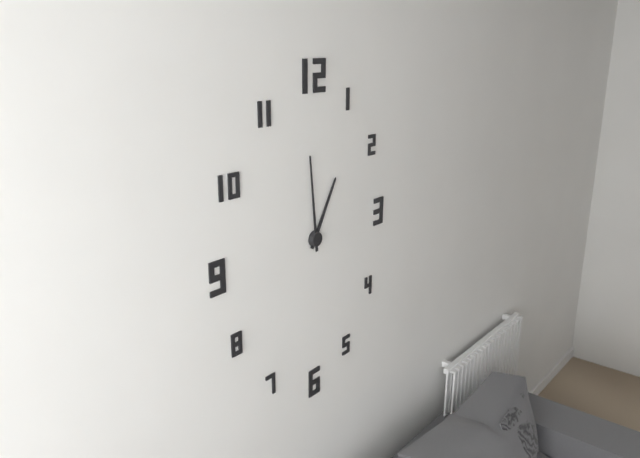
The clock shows h=12 m=59
